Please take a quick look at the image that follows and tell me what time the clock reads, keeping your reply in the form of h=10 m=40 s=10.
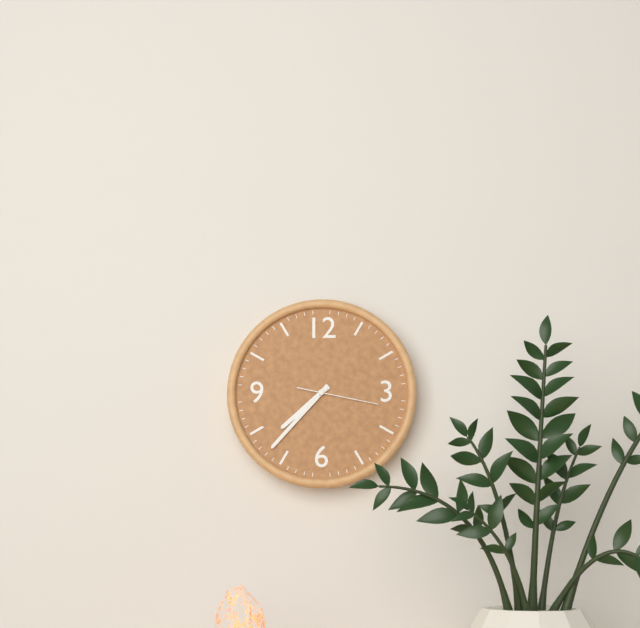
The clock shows h=7 m=37 s=17
